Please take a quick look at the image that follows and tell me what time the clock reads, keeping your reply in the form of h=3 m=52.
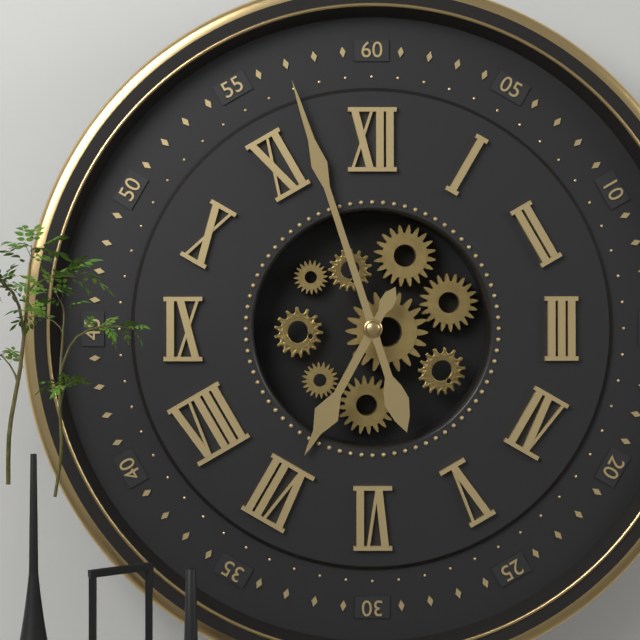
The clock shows h=6 m=57
